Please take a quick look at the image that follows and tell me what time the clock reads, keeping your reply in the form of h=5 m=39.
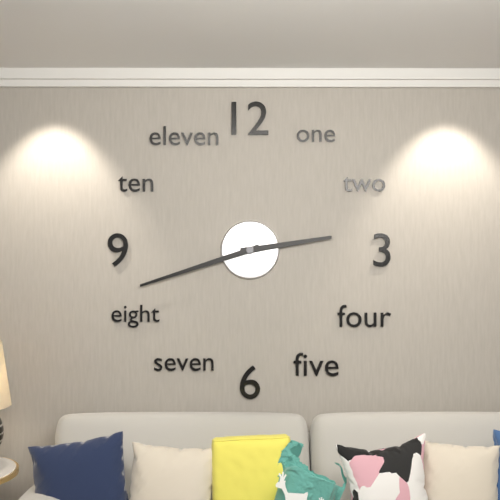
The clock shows h=2 m=42
